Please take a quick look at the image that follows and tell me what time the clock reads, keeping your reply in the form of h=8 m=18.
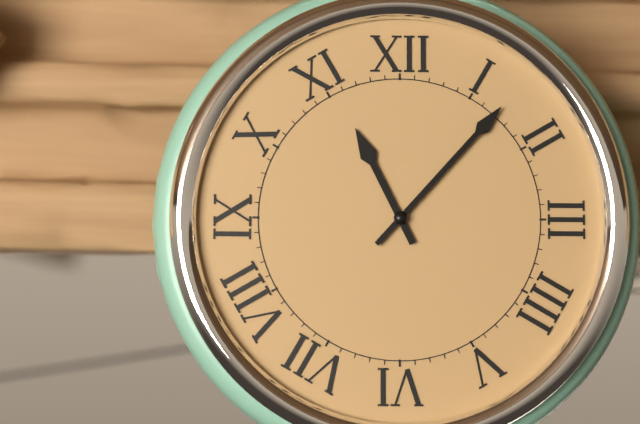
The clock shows h=11 m=7
